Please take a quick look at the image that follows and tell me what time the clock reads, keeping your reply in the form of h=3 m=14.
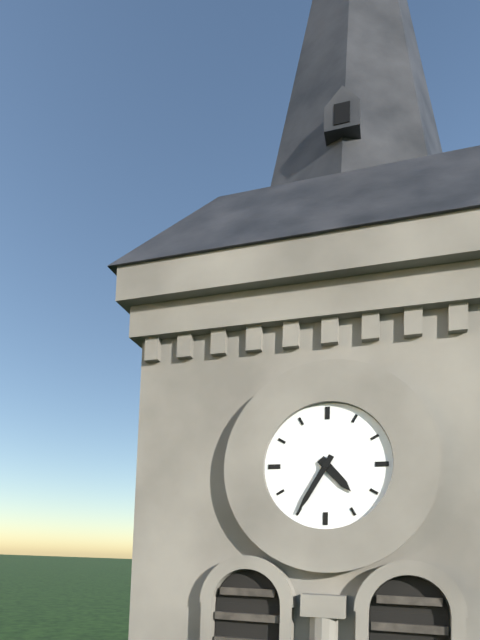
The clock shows h=4 m=35
